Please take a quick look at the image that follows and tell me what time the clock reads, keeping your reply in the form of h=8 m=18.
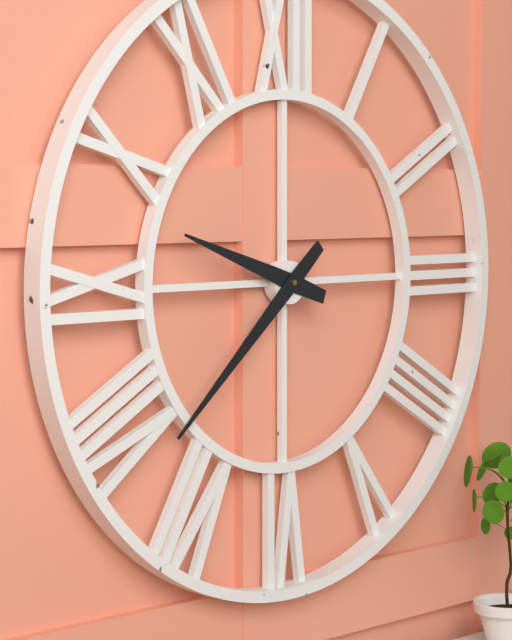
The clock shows h=9 m=38
